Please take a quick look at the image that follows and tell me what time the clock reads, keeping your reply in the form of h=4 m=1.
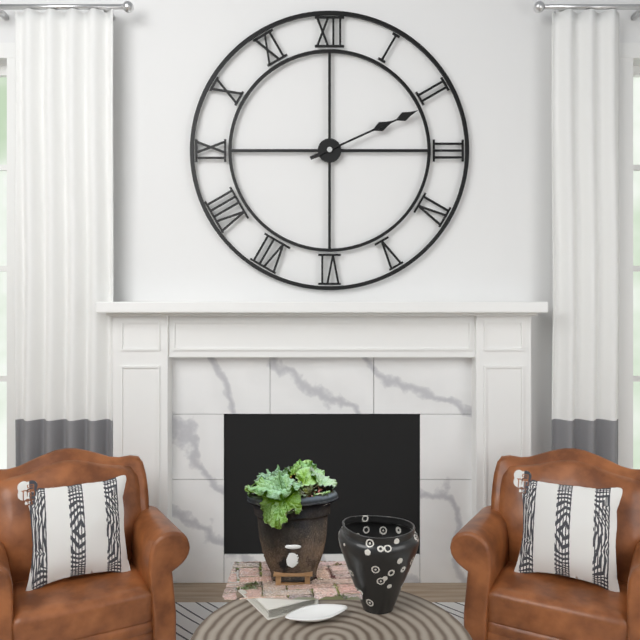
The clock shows h=2 m=11
